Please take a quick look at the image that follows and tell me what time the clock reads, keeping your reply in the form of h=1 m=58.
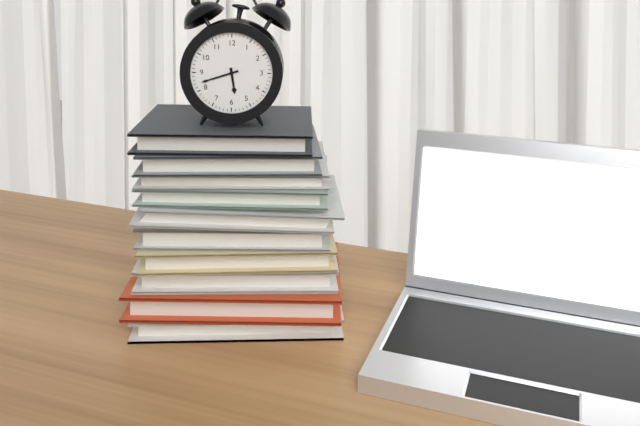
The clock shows h=5 m=42
